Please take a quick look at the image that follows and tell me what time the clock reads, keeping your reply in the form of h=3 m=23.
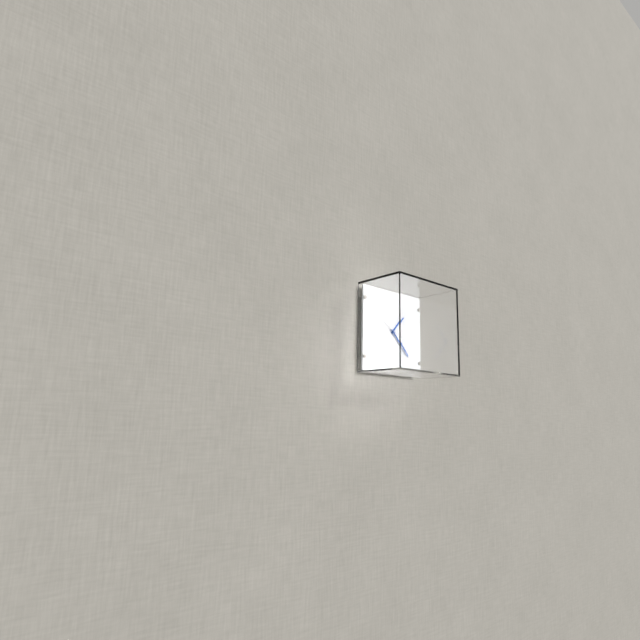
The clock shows h=1 m=23
